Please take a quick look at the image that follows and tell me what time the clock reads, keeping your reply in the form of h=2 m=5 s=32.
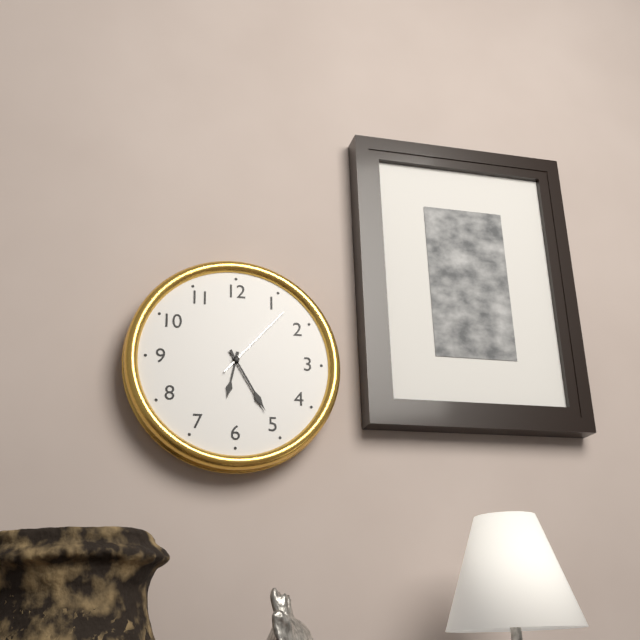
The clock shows h=6 m=25 s=7
